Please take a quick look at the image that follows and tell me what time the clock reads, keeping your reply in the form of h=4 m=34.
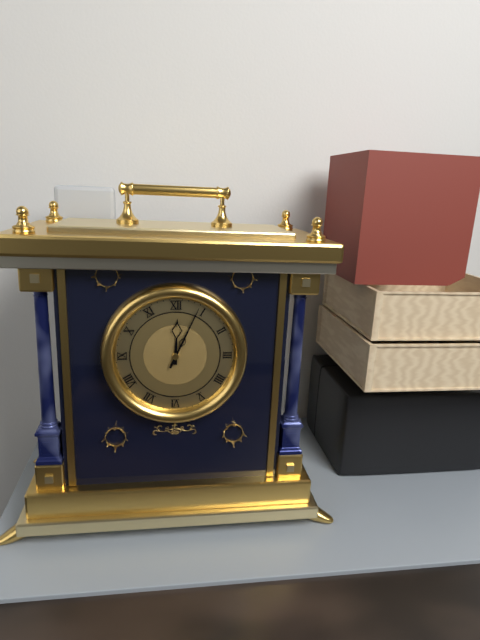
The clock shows h=12 m=4
